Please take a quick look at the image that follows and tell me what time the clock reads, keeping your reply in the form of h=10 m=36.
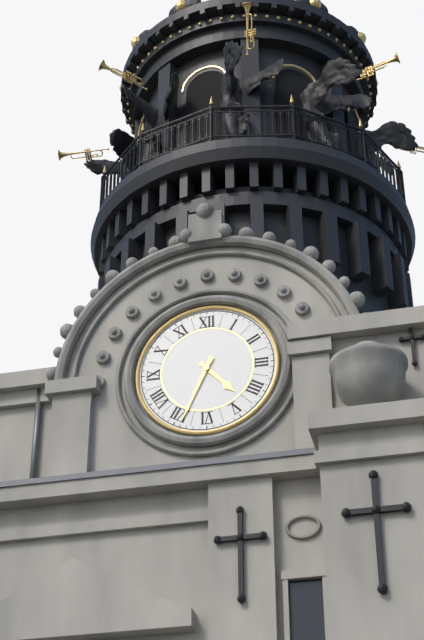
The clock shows h=4 m=34
